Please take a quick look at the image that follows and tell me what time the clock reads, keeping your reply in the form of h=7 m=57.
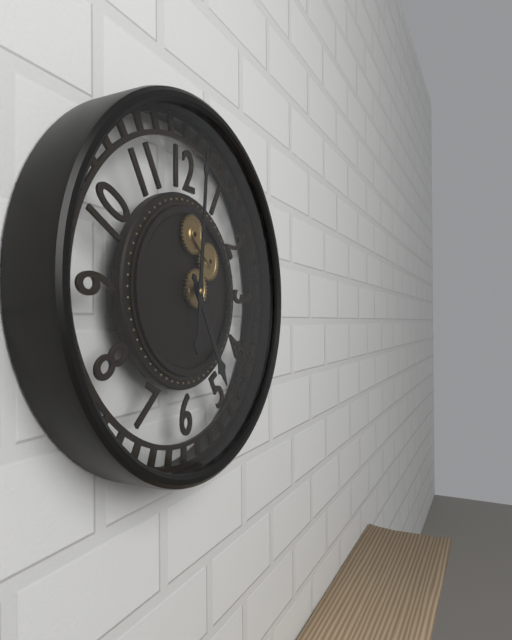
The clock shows h=5 m=1
